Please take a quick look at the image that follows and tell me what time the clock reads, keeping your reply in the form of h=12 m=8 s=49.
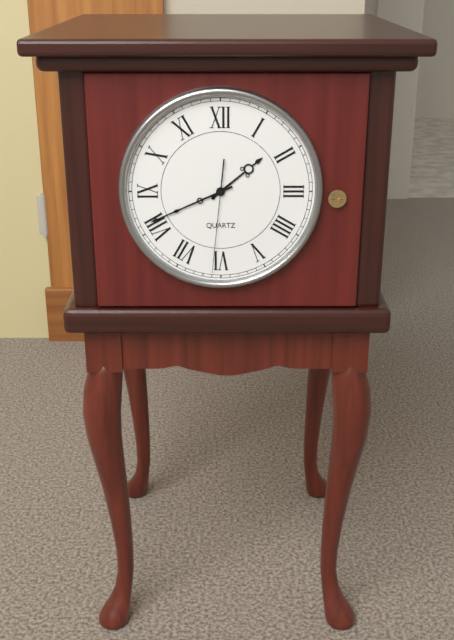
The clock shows h=1 m=41 s=31
